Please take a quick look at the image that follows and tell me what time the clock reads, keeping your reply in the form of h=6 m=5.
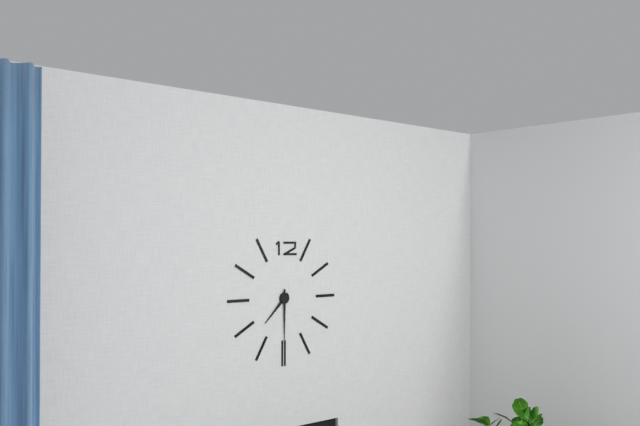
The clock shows h=7 m=30
